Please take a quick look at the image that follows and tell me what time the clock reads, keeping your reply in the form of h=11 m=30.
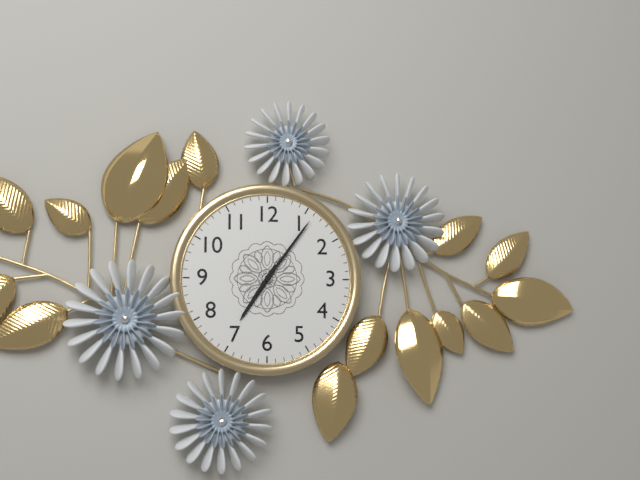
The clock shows h=7 m=6
